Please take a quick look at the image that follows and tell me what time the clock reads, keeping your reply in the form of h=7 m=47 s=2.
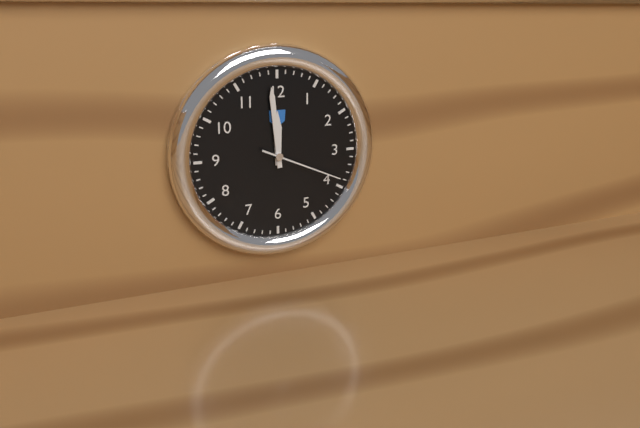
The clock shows h=11 m=59 s=19
